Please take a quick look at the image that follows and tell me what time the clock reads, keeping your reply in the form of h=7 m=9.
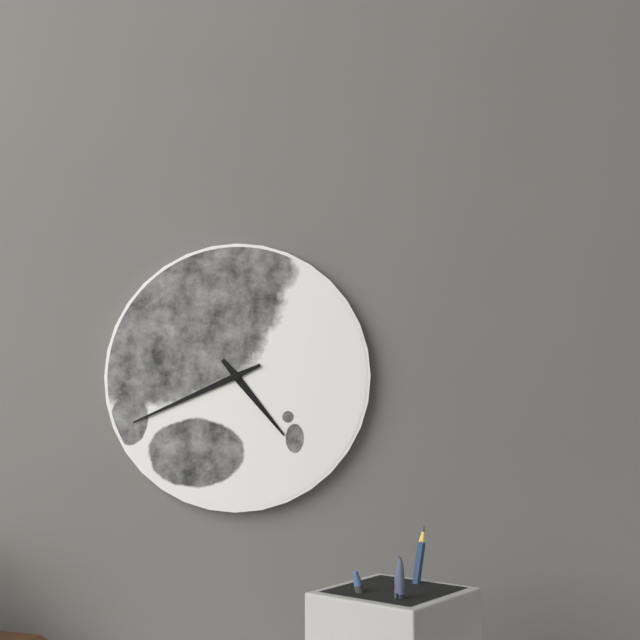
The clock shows h=4 m=41
